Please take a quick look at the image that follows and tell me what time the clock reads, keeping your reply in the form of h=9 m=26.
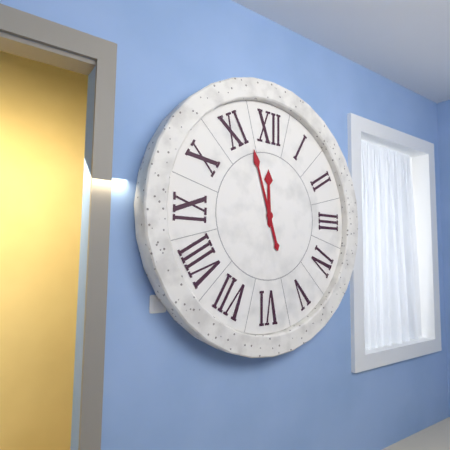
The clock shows h=11 m=57
